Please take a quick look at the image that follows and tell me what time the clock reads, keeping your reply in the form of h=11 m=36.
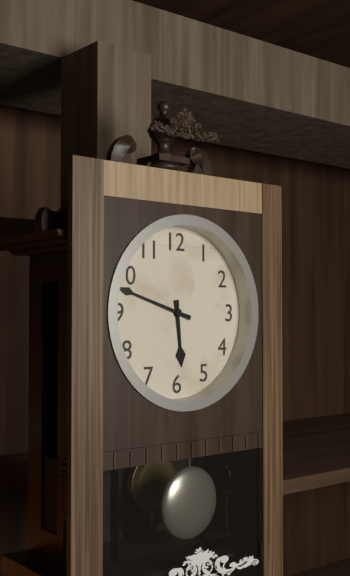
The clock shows h=5 m=48
